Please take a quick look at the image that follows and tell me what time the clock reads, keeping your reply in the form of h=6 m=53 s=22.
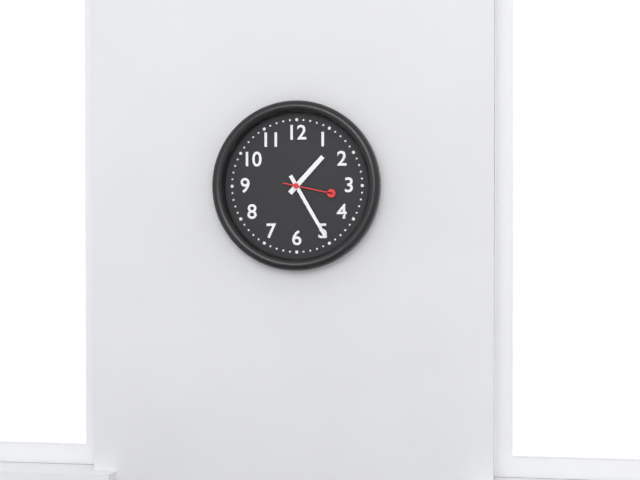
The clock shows h=1 m=25 s=17
